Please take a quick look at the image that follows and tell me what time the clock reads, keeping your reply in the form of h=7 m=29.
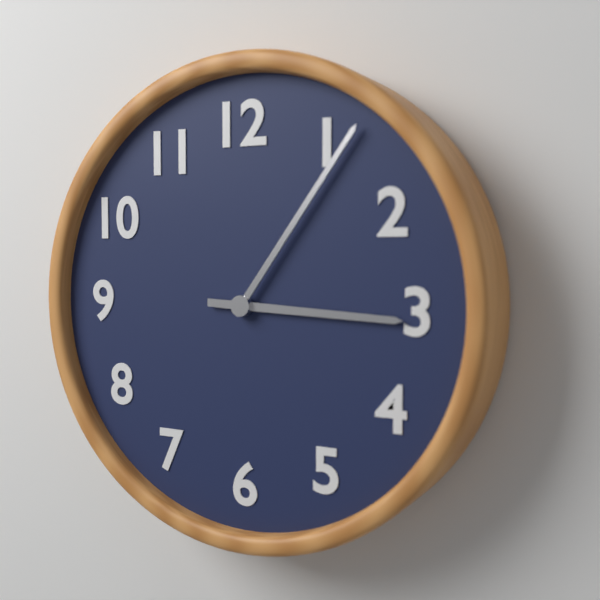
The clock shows h=3 m=6
